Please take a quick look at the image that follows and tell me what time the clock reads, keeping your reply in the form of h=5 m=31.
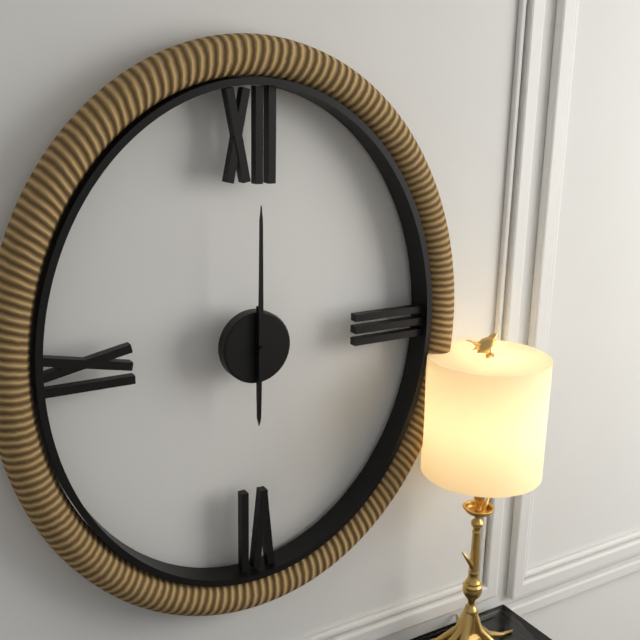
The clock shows h=6 m=0
